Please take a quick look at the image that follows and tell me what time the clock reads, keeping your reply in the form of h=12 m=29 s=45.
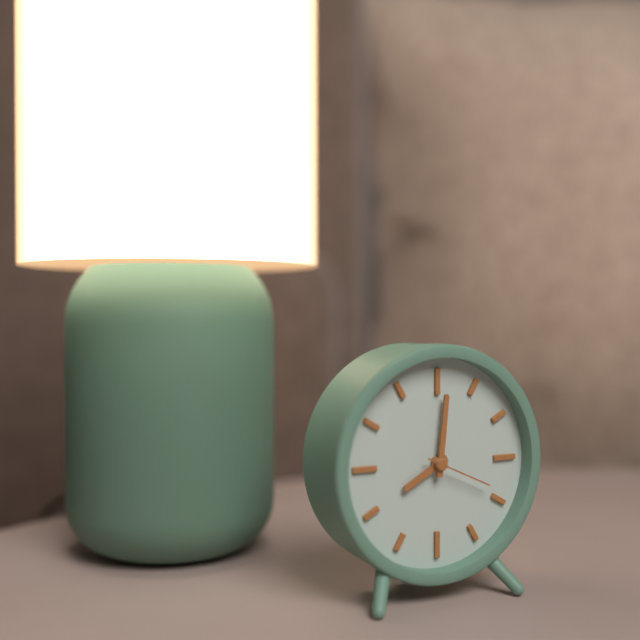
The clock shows h=8 m=1 s=19
